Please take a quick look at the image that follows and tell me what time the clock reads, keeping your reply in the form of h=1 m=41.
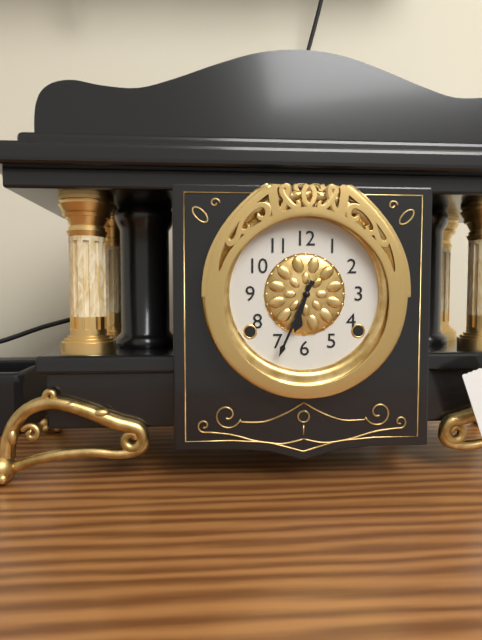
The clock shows h=6 m=34
